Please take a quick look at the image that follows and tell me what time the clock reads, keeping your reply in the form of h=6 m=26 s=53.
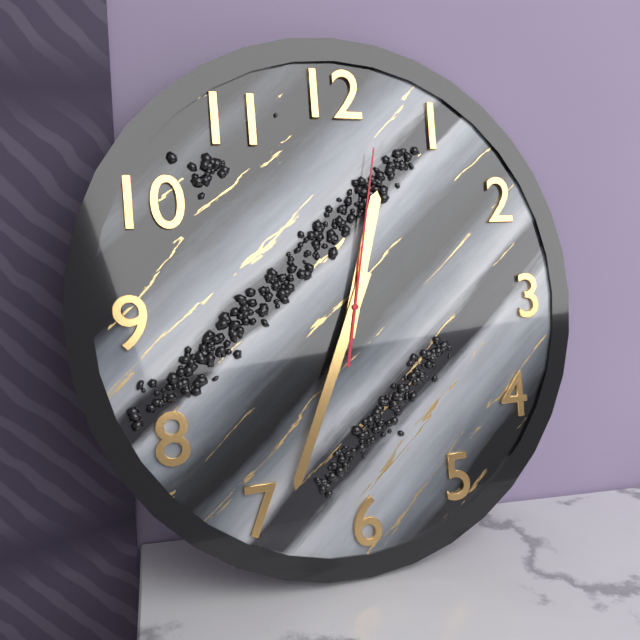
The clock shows h=12 m=34 s=2
